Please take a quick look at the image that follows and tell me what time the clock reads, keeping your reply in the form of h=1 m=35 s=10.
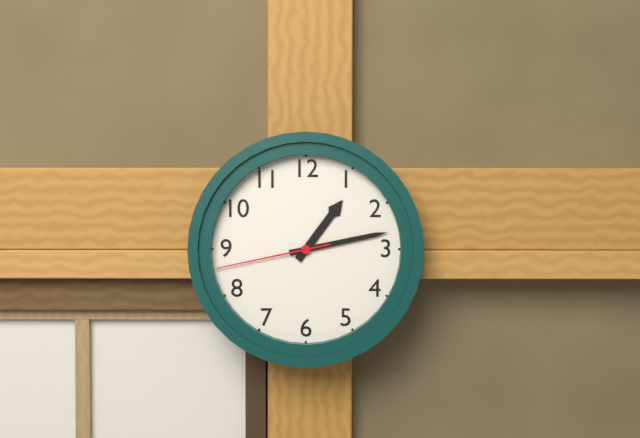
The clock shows h=1 m=13 s=43
